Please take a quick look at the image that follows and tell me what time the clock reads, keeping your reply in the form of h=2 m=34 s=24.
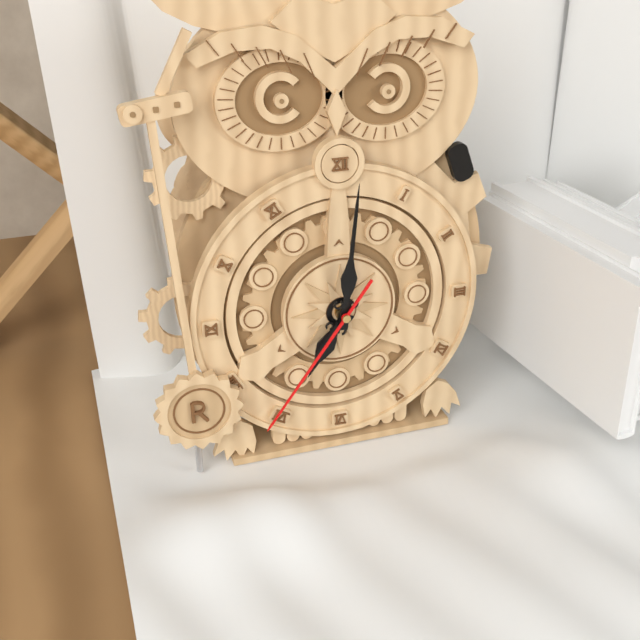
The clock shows h=7 m=1 s=36
